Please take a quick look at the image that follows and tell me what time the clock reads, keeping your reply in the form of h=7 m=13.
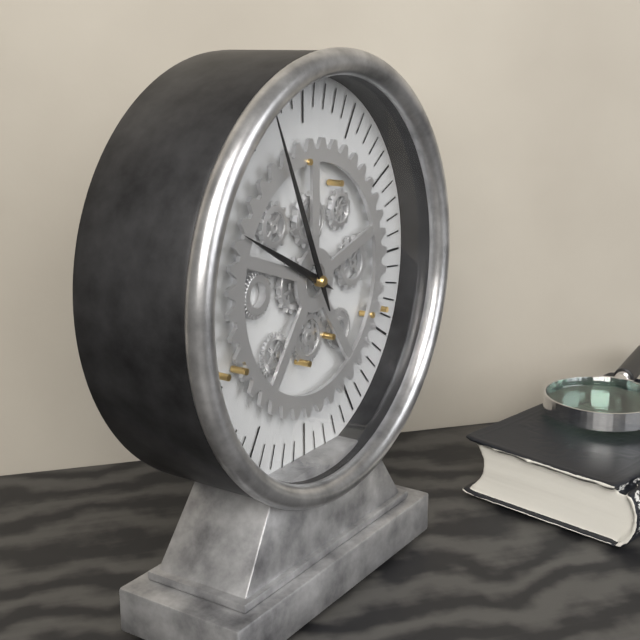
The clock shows h=9 m=56
